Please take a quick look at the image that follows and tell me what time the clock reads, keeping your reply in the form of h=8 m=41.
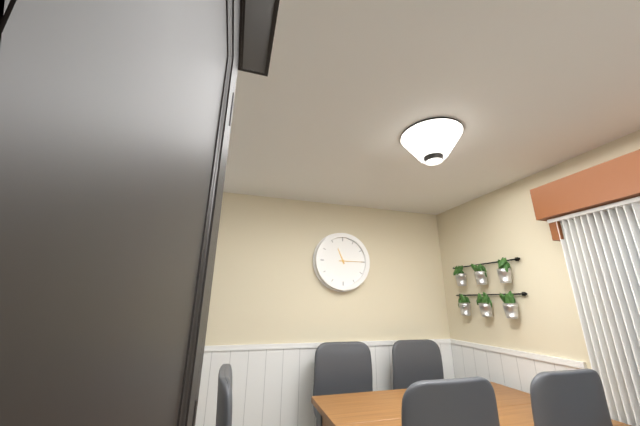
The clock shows h=11 m=15
